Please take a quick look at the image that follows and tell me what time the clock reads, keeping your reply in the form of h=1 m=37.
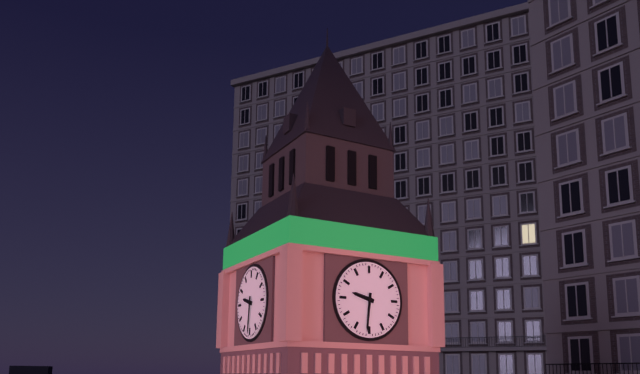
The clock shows h=9 m=31
